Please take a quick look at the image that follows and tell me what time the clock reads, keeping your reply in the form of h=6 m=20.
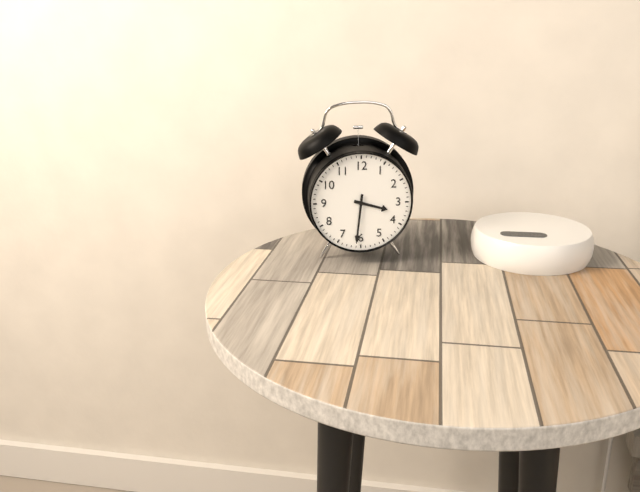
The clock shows h=3 m=31
